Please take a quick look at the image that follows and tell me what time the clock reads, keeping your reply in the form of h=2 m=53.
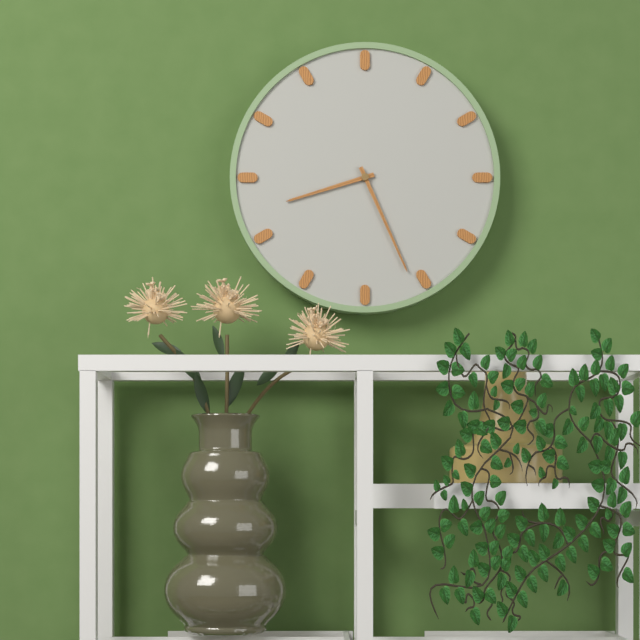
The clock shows h=8 m=26
